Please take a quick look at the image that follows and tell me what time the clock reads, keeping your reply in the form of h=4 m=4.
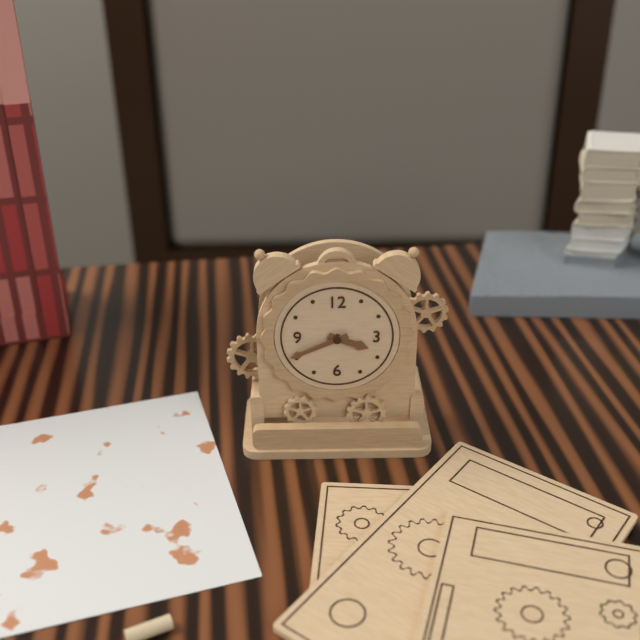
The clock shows h=3 m=41
